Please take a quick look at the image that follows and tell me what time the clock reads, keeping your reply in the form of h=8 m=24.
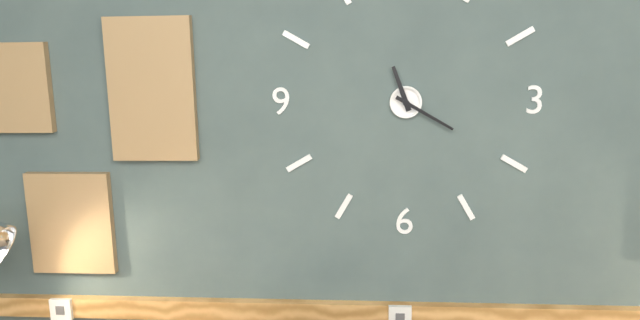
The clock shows h=11 m=20
